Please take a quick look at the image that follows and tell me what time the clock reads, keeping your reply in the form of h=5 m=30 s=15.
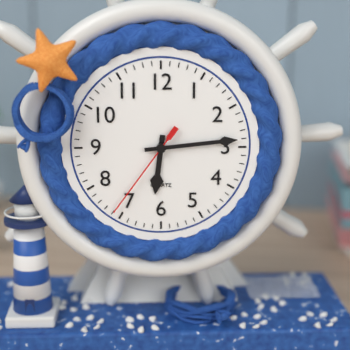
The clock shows h=6 m=14 s=36
